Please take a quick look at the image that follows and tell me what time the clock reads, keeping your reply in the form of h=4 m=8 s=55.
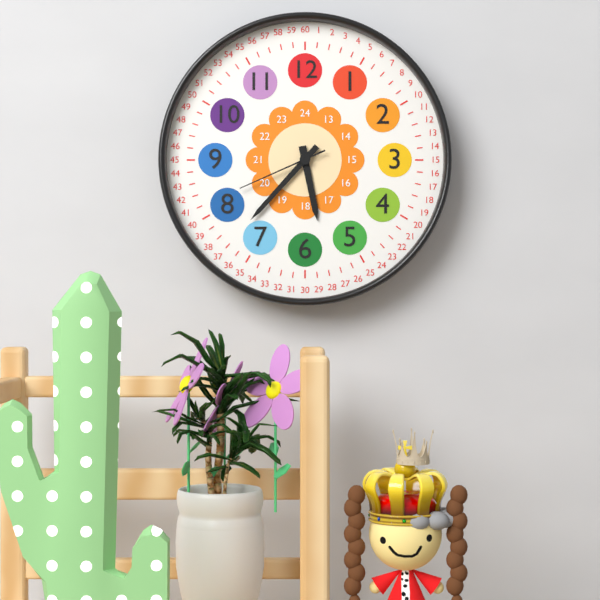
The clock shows h=5 m=37 s=41
